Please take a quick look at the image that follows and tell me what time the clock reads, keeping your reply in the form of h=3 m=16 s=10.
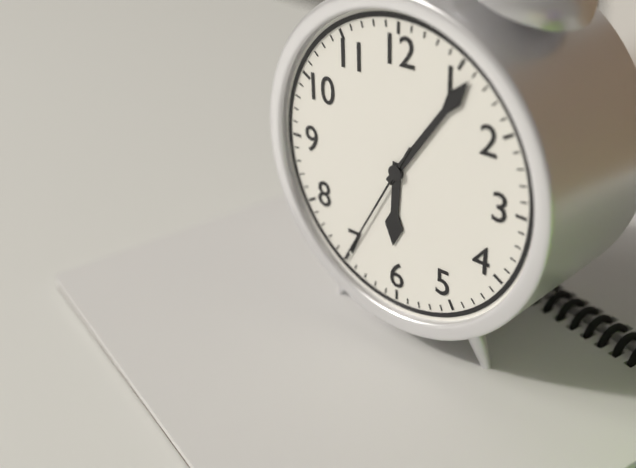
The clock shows h=6 m=6 s=35
